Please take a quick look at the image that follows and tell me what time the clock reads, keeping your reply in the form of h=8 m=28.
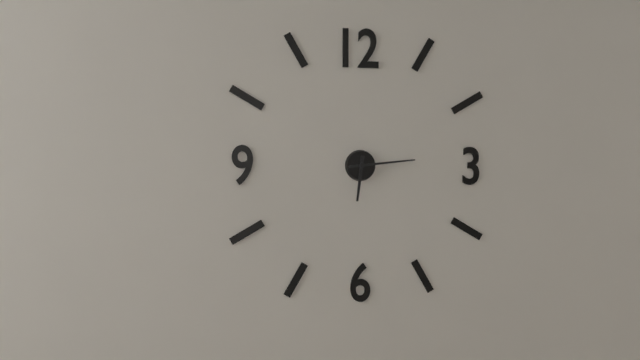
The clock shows h=6 m=14
